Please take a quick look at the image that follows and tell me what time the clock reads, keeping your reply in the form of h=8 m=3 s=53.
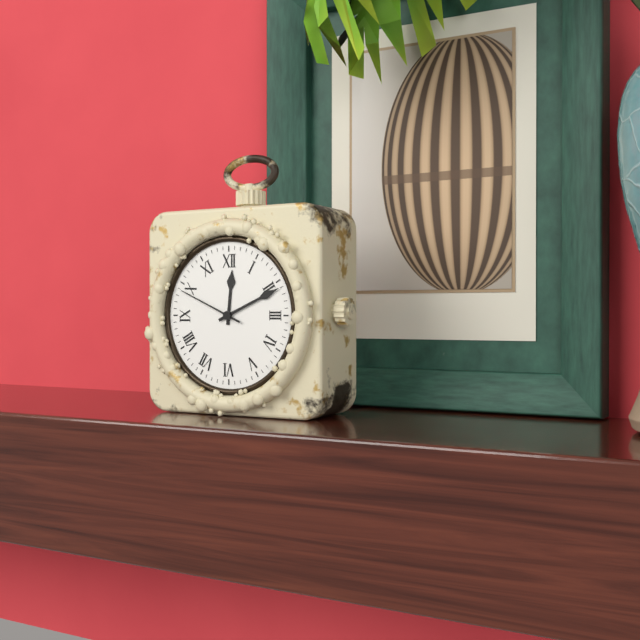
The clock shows h=12 m=11 s=49
